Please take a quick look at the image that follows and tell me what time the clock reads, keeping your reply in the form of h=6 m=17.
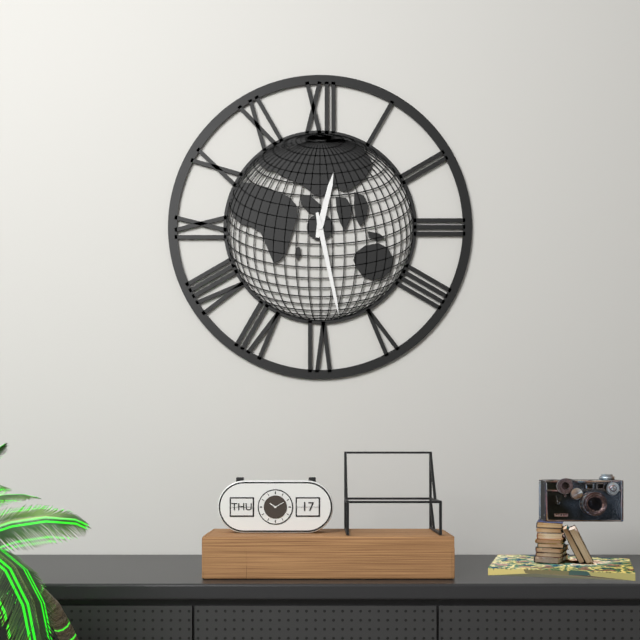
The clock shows h=12 m=28
